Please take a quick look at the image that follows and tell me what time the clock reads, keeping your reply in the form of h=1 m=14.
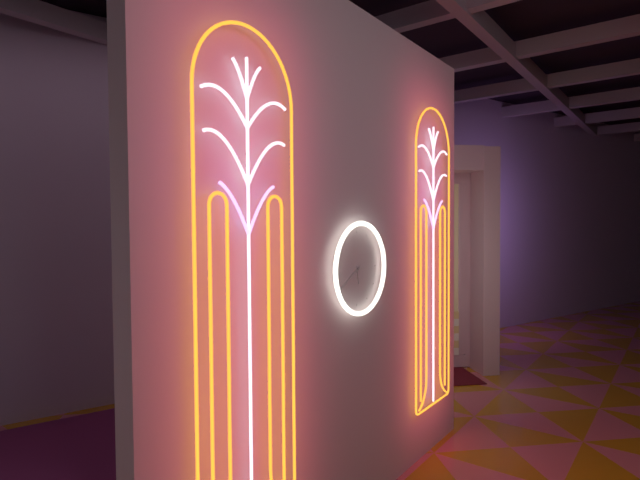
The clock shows h=5 m=40
